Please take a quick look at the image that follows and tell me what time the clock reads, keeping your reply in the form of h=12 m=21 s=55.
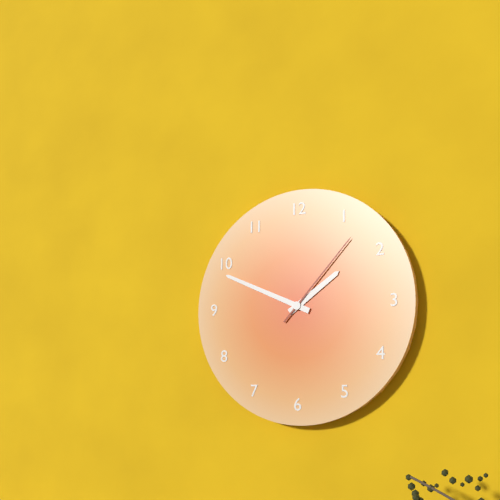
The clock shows h=1 m=49 s=7
